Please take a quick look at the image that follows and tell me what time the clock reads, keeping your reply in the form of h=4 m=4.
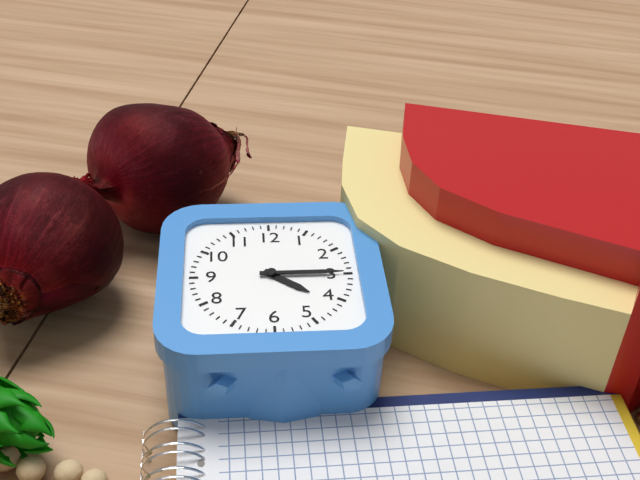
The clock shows h=4 m=15
